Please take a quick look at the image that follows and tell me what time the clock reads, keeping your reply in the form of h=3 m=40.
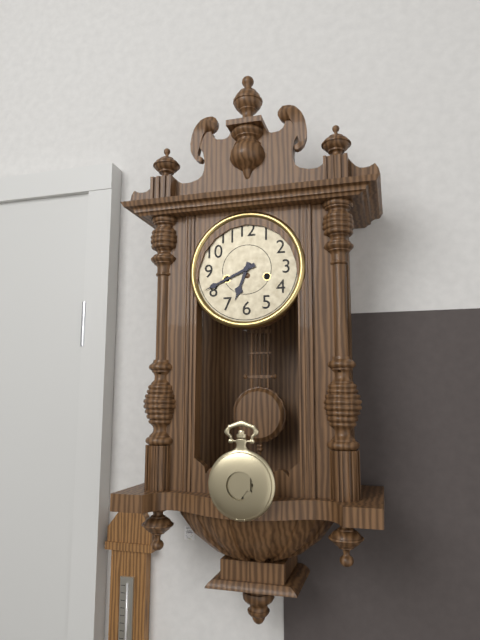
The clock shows h=6 m=41
